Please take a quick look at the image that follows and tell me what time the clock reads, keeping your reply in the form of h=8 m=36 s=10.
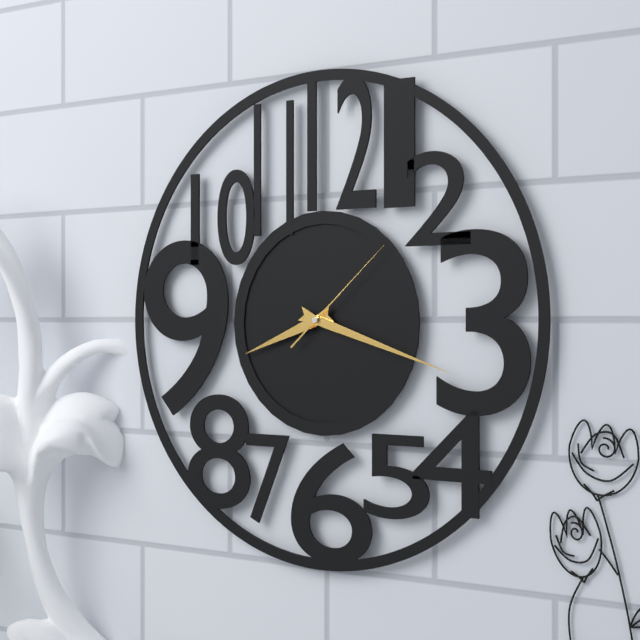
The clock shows h=8 m=18 s=8
